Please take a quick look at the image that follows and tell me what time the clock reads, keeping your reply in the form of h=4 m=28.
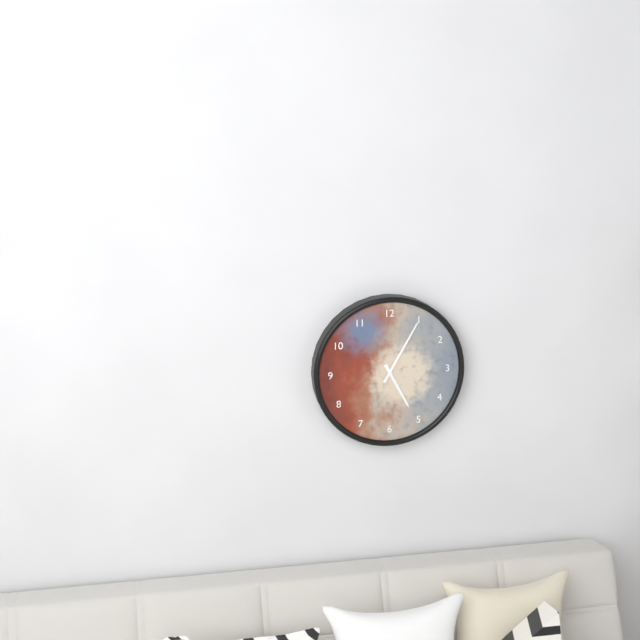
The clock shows h=5 m=5
